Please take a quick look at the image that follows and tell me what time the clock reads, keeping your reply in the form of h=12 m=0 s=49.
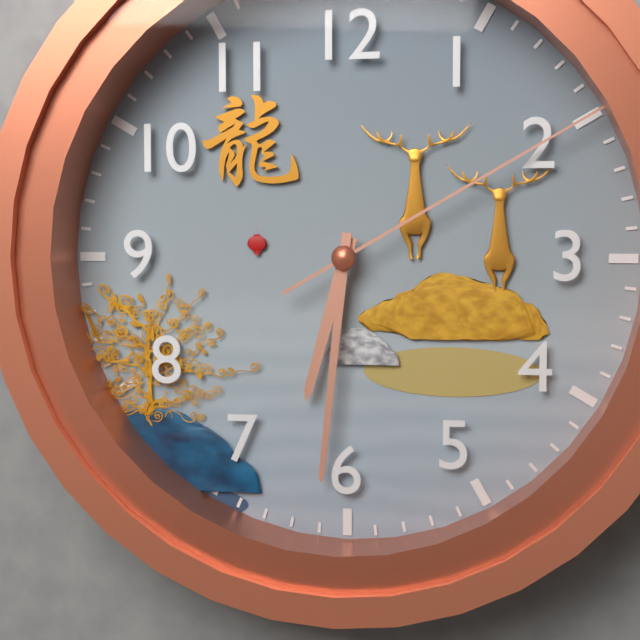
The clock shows h=6 m=31 s=10
